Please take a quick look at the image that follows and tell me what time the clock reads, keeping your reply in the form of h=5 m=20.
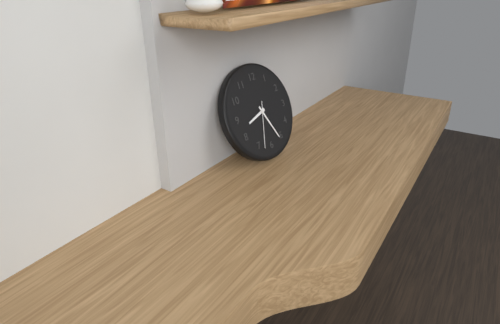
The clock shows h=8 m=26
